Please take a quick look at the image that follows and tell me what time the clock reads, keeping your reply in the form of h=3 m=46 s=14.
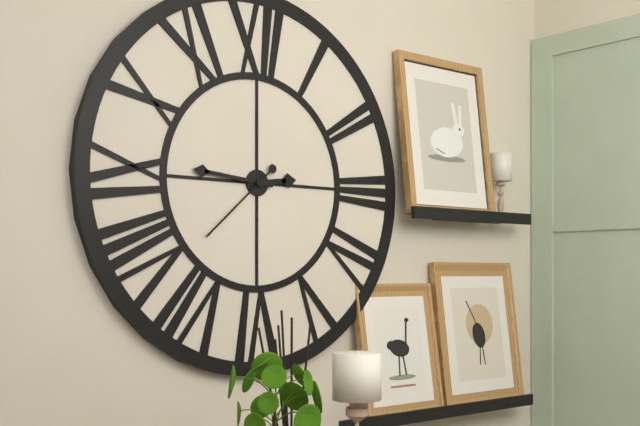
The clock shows h=2 m=46 s=38
